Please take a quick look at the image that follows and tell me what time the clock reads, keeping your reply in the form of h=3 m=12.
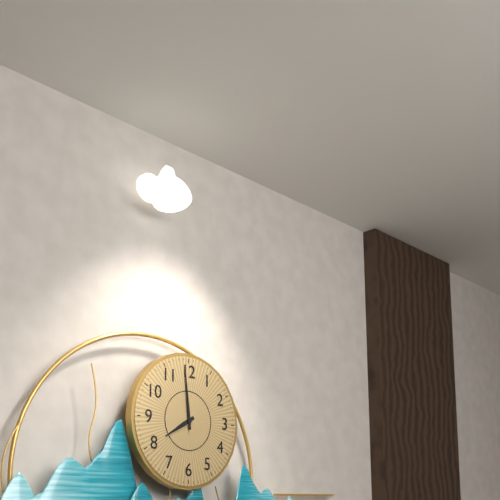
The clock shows h=7 m=59
